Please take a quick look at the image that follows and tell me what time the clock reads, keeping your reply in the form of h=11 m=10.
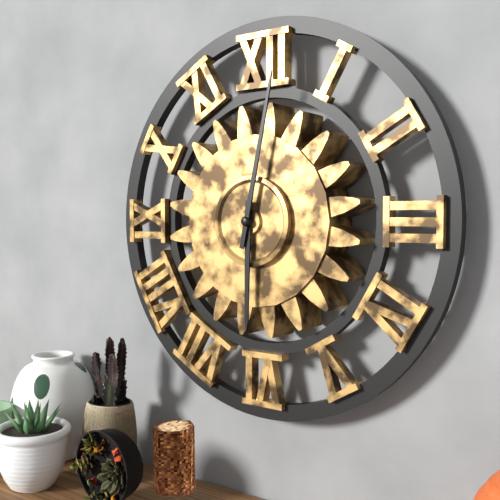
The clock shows h=6 m=2
